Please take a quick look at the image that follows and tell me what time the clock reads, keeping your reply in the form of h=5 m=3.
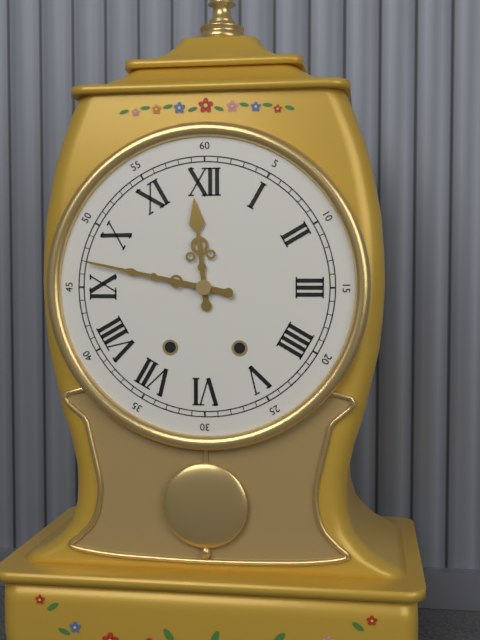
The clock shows h=11 m=47
